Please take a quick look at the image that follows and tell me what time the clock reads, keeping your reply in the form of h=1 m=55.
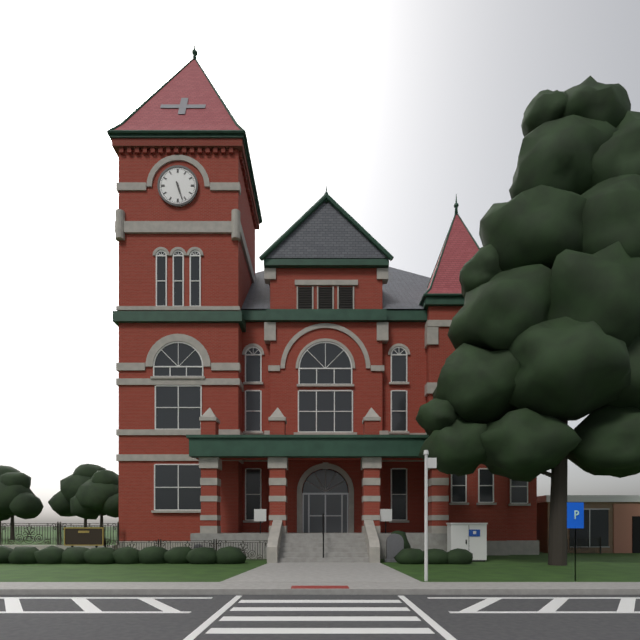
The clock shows h=5 m=27
